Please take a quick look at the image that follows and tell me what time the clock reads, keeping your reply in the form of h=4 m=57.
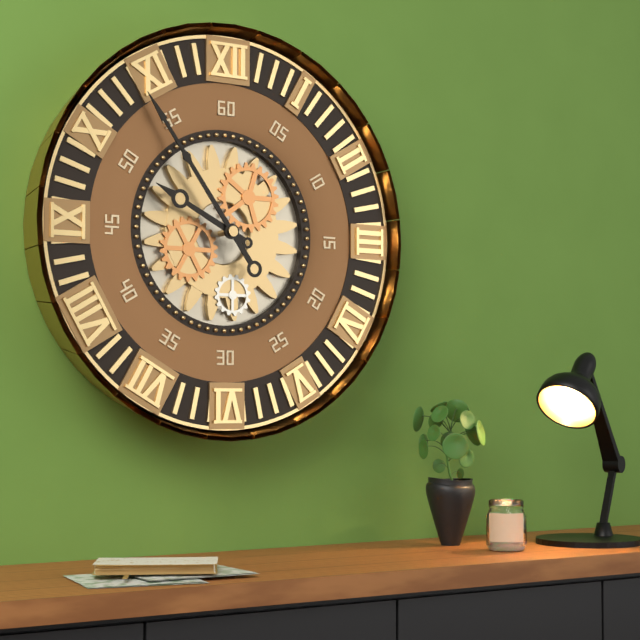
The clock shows h=9 m=54
